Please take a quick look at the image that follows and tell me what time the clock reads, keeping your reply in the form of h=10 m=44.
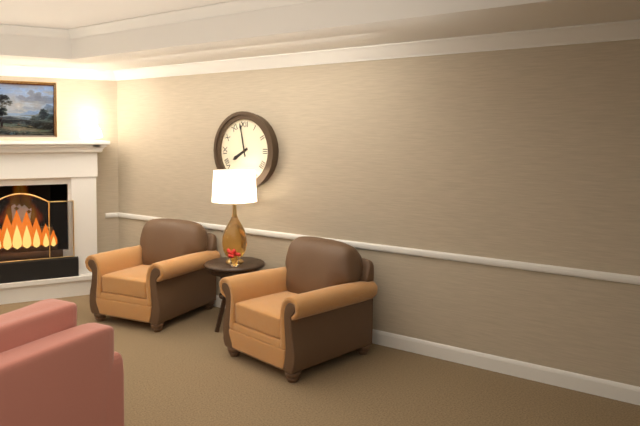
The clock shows h=7 m=58
